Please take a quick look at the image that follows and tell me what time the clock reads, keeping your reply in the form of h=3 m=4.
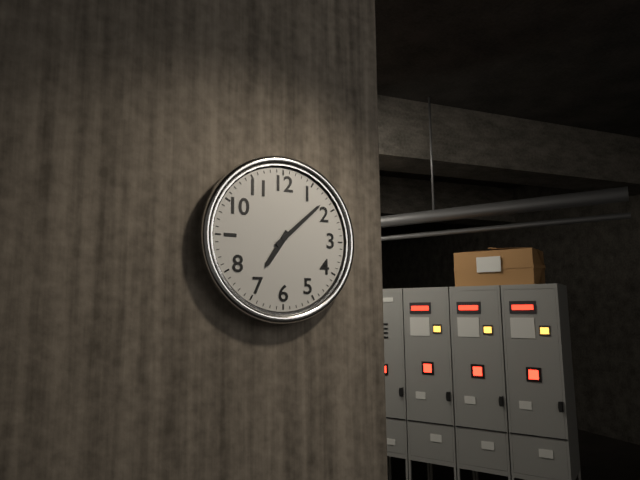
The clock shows h=7 m=8
